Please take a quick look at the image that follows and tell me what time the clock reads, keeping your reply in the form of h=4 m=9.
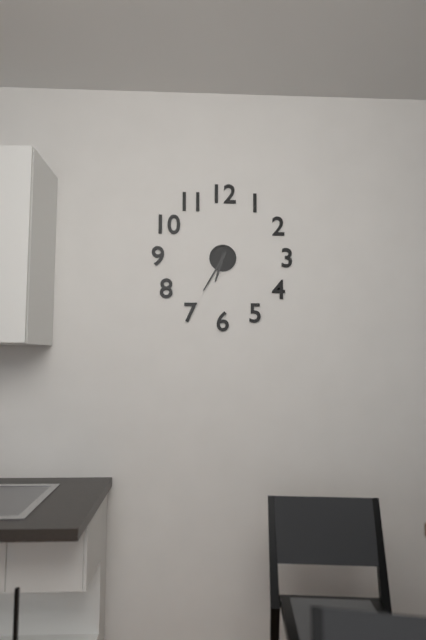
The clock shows h=6 m=35
